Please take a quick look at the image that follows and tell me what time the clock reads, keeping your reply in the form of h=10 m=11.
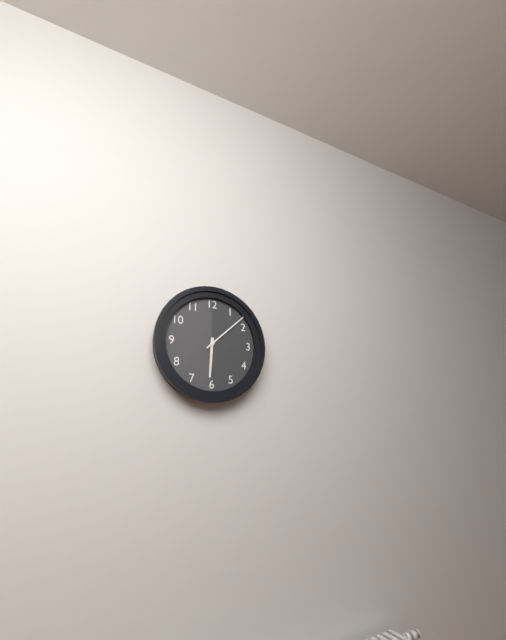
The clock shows h=6 m=8
